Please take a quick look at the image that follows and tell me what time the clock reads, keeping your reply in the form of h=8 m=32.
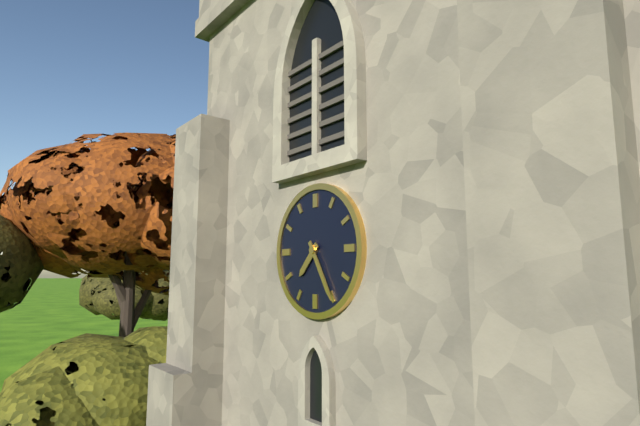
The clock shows h=7 m=25
